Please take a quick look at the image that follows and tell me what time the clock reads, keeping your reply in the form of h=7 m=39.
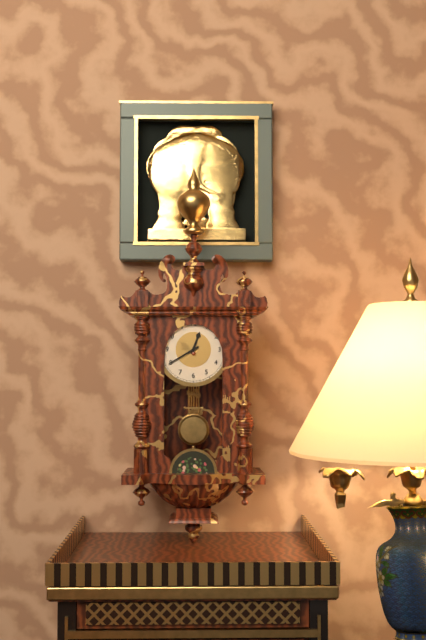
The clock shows h=12 m=40
